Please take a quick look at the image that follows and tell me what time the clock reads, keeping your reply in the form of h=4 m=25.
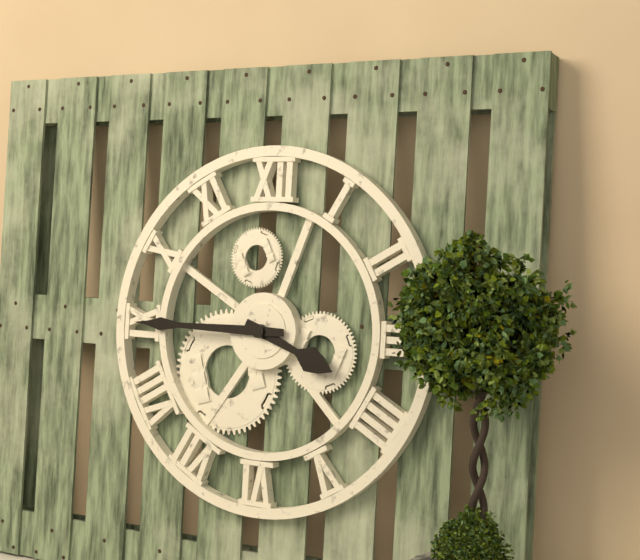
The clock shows h=3 m=45
